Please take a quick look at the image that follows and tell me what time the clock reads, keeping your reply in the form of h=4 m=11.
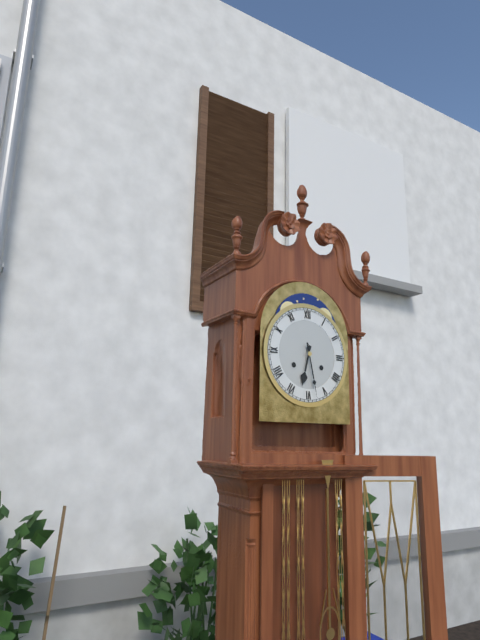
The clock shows h=6 m=28
